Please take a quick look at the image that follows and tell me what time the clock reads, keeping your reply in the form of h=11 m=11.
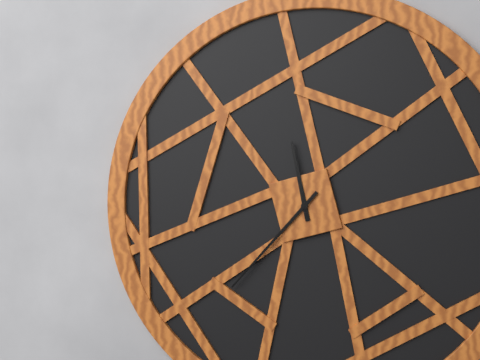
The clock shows h=11 m=37
